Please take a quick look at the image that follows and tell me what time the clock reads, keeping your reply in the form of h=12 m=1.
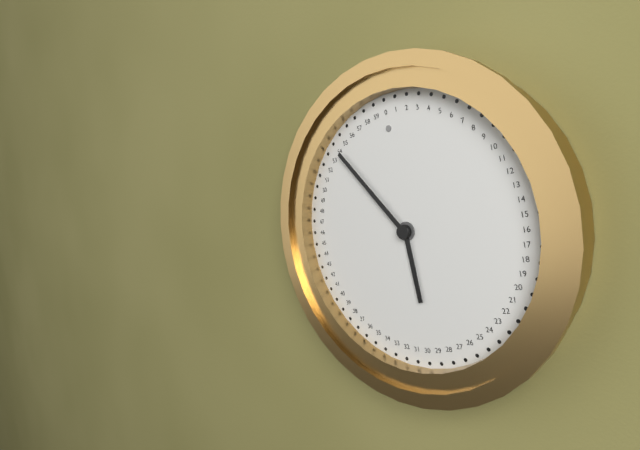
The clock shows h=5 m=54
